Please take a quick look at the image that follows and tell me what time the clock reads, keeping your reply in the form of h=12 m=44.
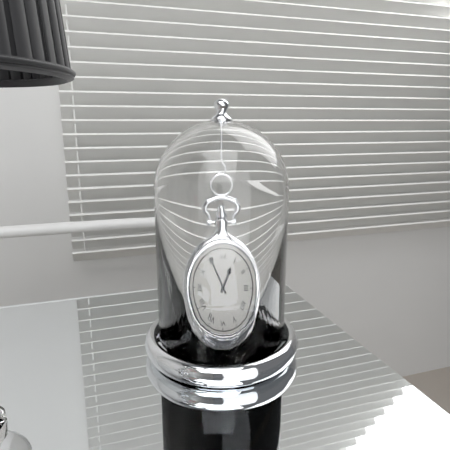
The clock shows h=12 m=55
